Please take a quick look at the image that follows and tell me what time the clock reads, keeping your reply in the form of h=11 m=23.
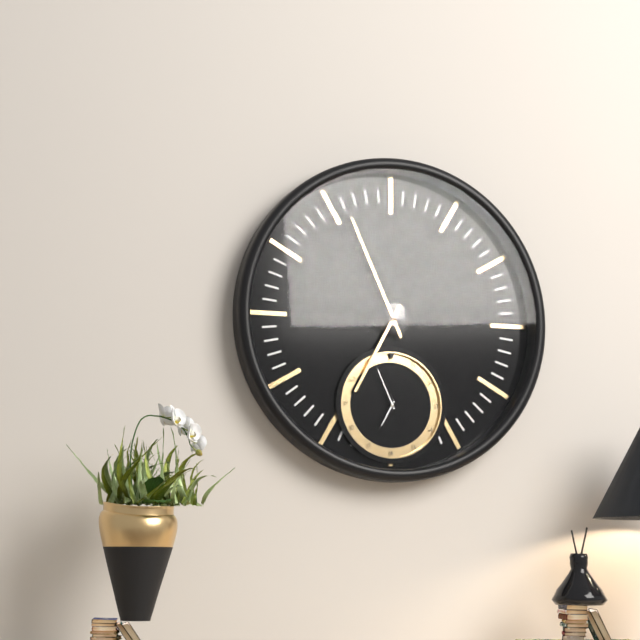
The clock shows h=6 m=56
